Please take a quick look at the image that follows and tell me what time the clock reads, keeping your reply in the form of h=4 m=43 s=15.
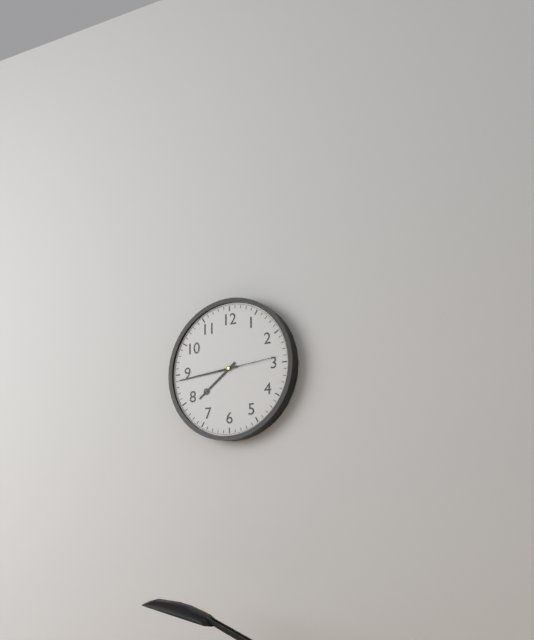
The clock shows h=7 m=44 s=14
